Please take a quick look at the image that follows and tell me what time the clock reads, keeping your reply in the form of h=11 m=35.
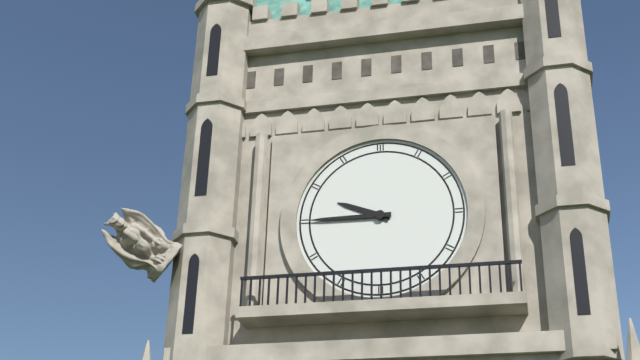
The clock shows h=9 m=45
